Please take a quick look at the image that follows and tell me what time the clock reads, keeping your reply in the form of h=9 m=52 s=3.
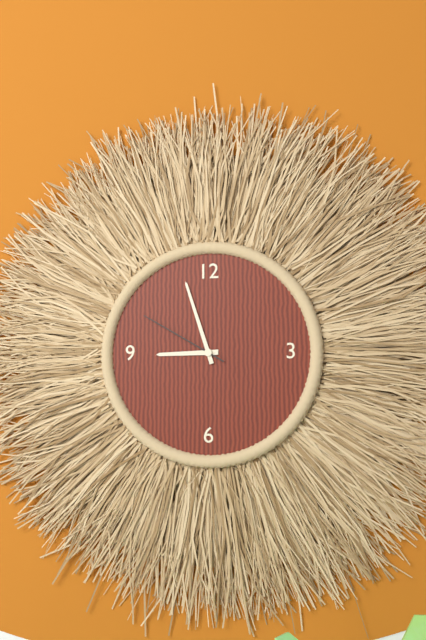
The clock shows h=8 m=57 s=50
